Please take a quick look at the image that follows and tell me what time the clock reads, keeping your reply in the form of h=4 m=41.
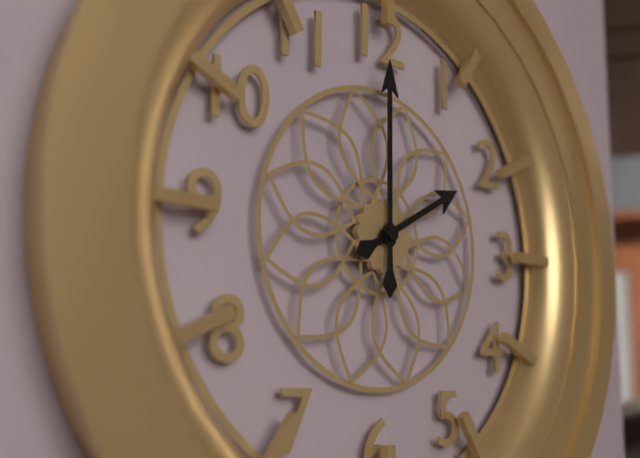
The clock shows h=2 m=0
